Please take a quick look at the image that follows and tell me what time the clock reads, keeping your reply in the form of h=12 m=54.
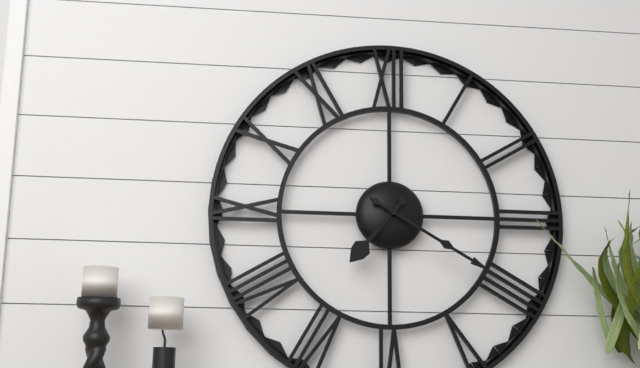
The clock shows h=7 m=20
